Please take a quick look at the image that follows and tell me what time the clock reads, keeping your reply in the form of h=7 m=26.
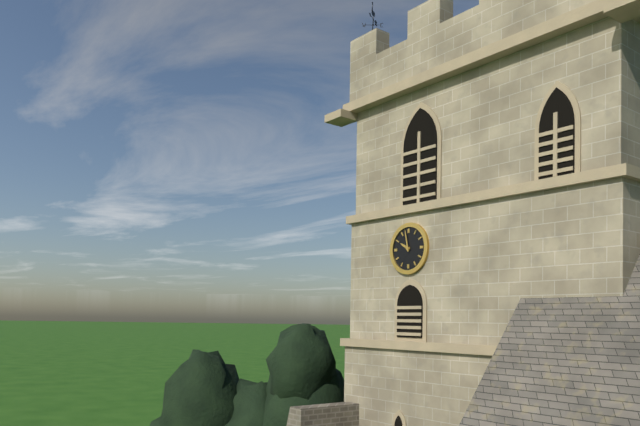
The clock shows h=9 m=58
